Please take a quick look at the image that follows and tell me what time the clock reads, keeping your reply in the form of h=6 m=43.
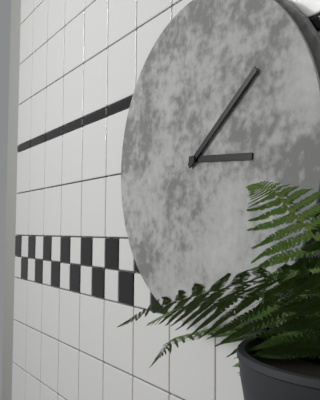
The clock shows h=3 m=9
